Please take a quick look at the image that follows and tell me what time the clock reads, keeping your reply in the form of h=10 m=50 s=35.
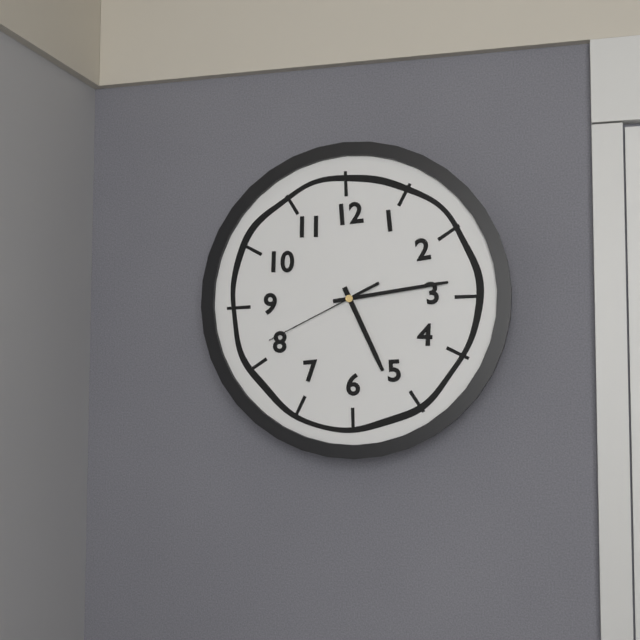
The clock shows h=5 m=14 s=41
